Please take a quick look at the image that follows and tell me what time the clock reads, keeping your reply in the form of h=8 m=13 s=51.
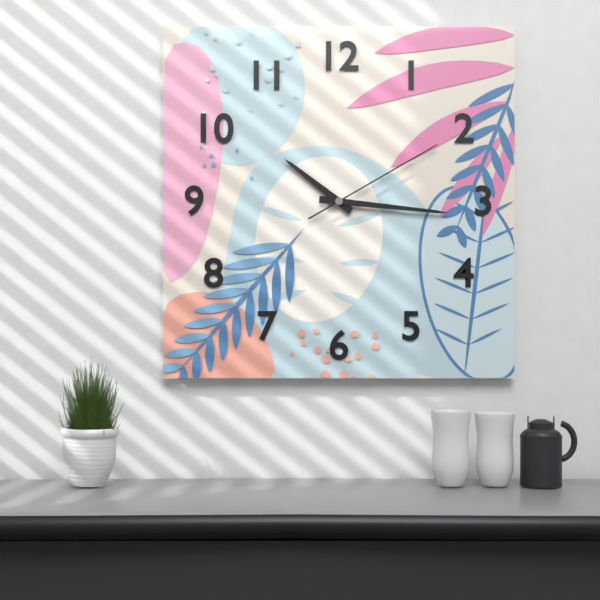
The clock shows h=10 m=16 s=10
